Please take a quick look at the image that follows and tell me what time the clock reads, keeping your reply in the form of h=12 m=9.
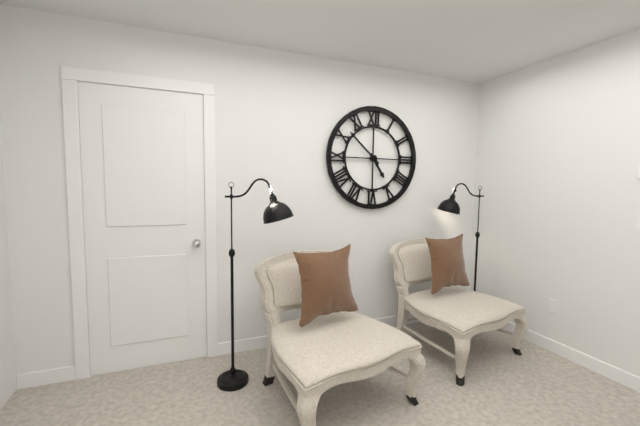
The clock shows h=4 m=52
